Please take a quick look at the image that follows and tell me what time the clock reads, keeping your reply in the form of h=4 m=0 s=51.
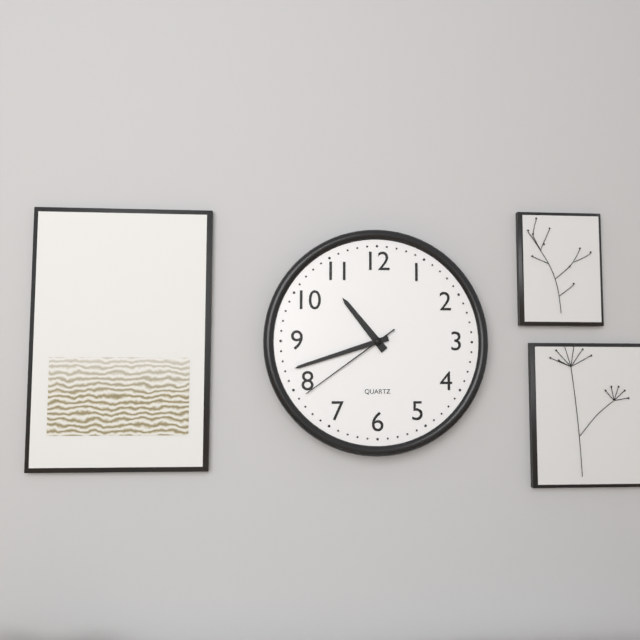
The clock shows h=10 m=42 s=39
